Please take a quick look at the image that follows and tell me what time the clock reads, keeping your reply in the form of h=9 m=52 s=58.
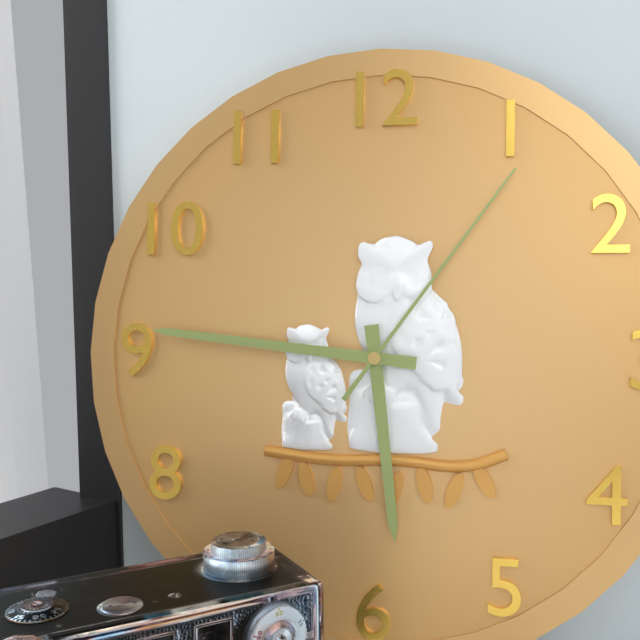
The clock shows h=5 m=46 s=6
